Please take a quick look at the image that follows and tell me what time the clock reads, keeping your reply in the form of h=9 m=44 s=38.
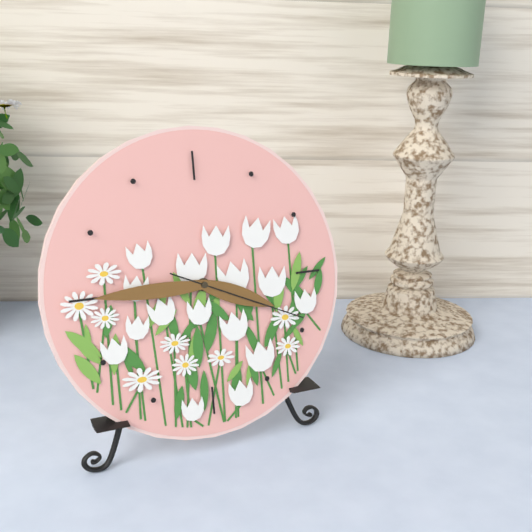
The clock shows h=3 m=45 s=19
